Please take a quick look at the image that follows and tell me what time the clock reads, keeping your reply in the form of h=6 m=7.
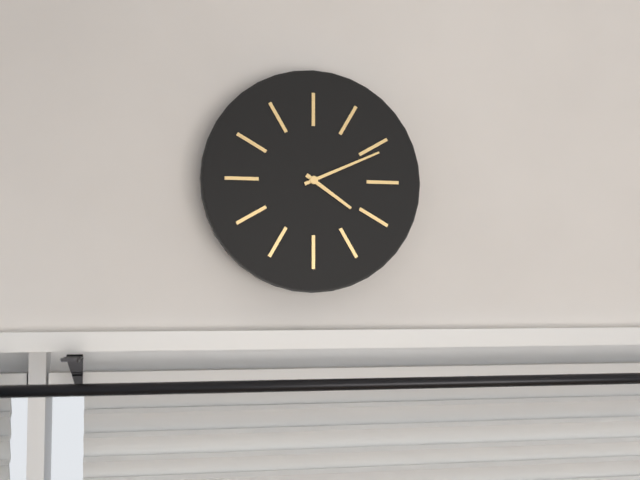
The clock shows h=4 m=11
